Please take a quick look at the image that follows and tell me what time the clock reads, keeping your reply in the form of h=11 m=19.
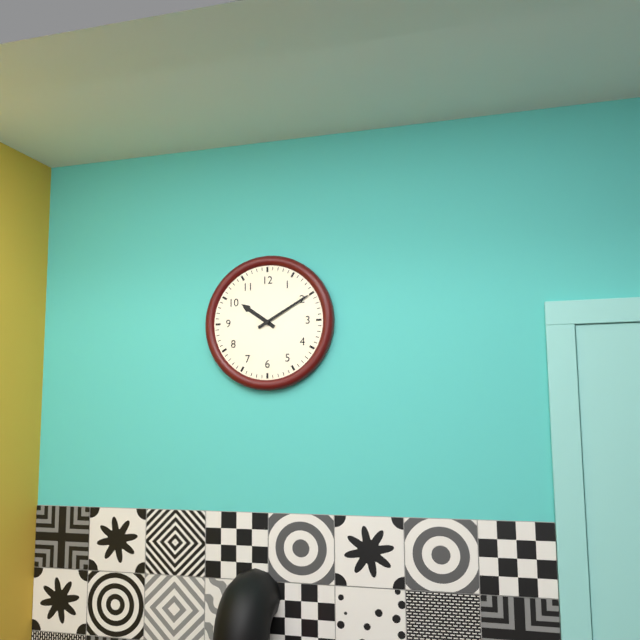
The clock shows h=10 m=10
